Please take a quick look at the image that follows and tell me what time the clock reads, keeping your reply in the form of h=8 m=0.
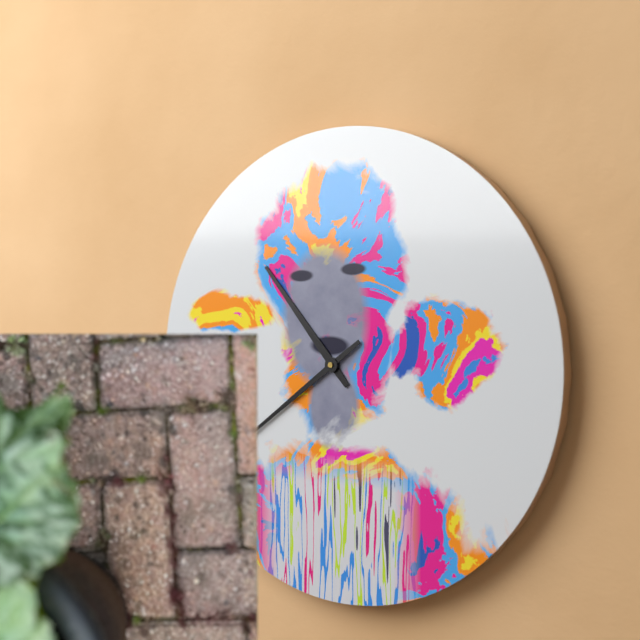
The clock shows h=10 m=39
